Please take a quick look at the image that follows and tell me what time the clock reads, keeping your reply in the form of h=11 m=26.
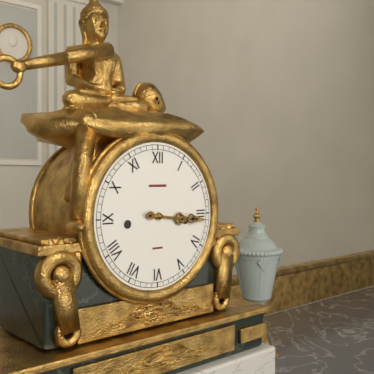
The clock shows h=3 m=16
